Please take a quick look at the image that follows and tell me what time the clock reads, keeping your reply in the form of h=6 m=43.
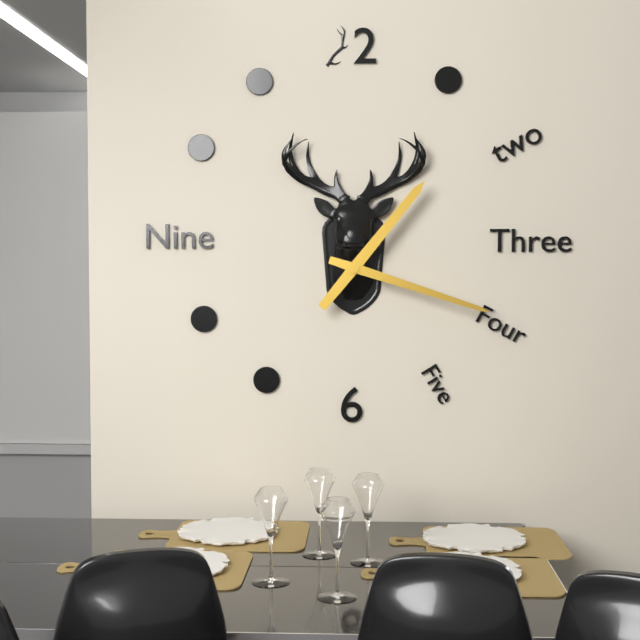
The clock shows h=1 m=18
